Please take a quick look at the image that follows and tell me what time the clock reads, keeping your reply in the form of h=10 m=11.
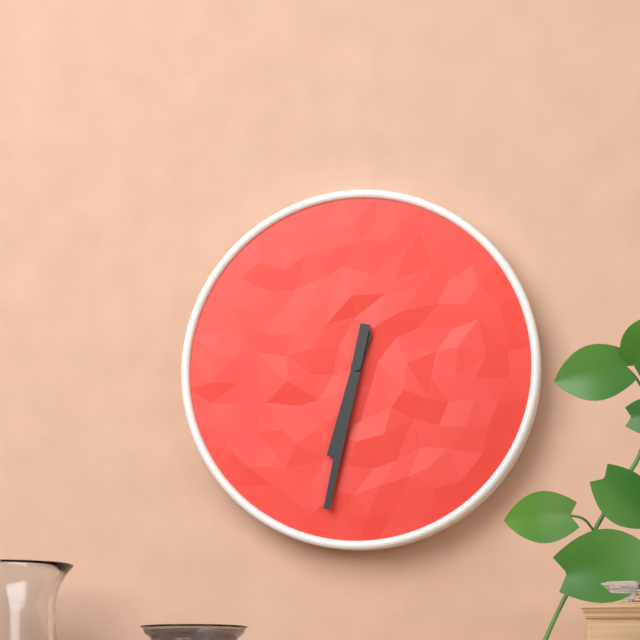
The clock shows h=6 m=32
